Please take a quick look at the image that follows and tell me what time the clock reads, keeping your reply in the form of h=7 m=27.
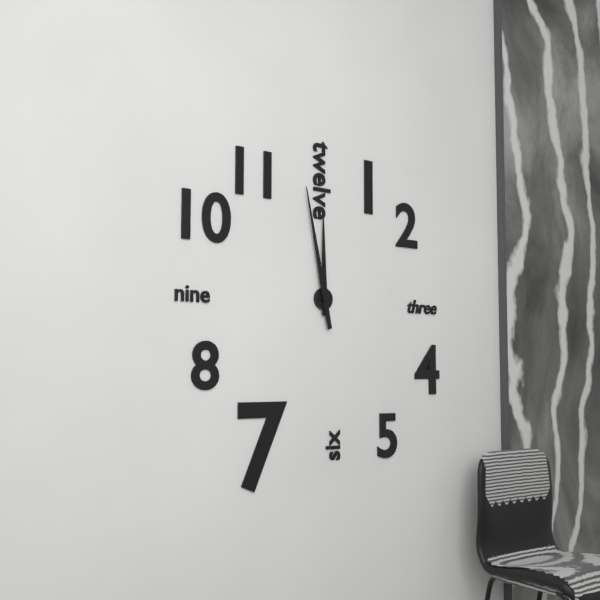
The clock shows h=11 m=58
